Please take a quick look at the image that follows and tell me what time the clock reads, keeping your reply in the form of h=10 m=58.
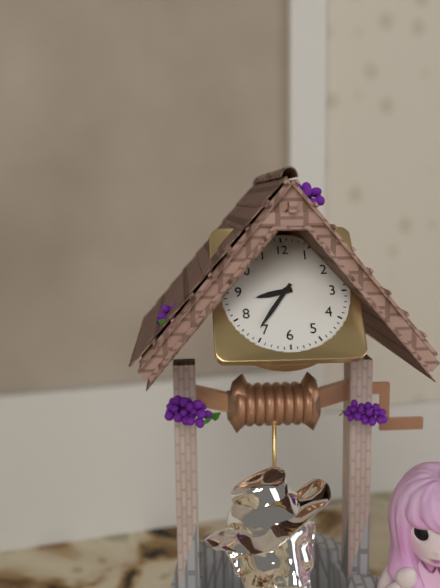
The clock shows h=8 m=36
